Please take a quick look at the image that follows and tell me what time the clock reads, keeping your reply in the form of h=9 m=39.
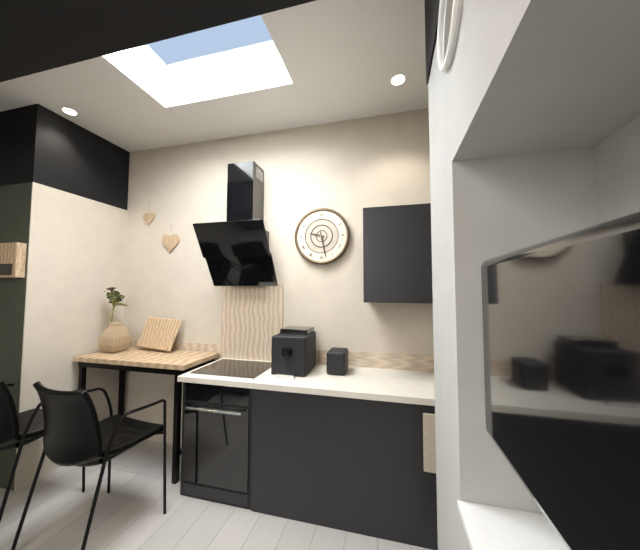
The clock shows h=9 m=28
